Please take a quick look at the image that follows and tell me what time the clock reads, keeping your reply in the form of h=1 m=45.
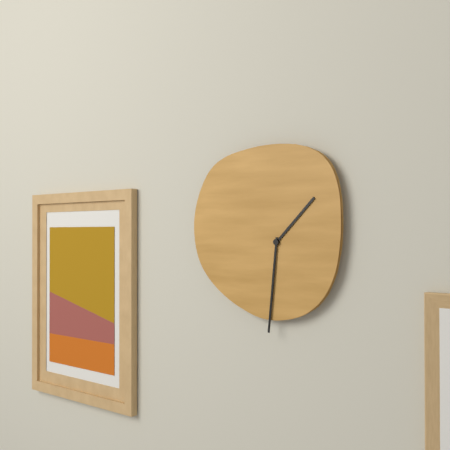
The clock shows h=1 m=31
